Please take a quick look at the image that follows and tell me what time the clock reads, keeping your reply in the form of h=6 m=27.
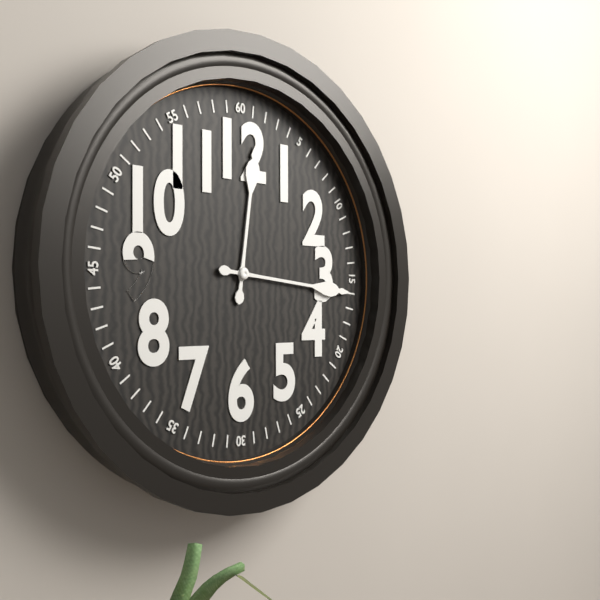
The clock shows h=12 m=16
